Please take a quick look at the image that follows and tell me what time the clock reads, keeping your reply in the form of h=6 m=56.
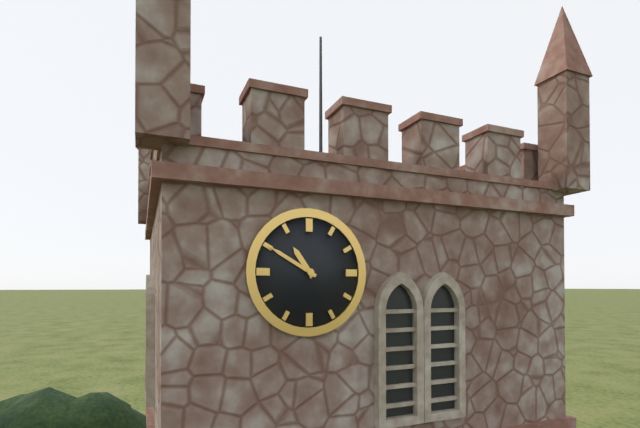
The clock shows h=10 m=50
